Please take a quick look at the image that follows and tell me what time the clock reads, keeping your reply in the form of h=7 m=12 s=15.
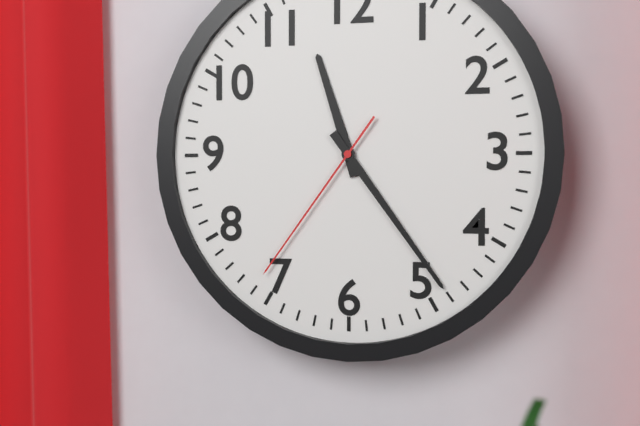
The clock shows h=11 m=24 s=36
